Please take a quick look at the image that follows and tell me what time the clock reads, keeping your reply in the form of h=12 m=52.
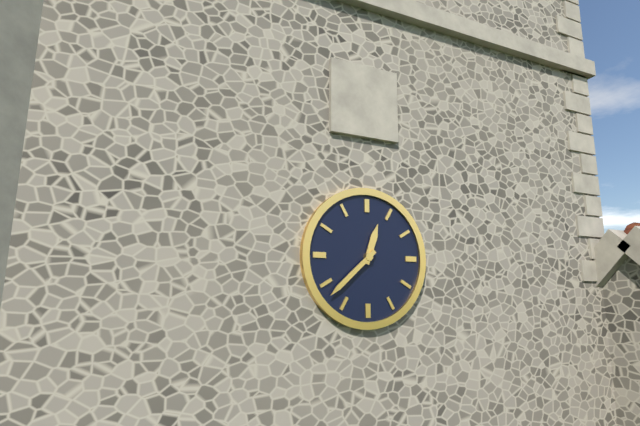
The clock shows h=12 m=38
